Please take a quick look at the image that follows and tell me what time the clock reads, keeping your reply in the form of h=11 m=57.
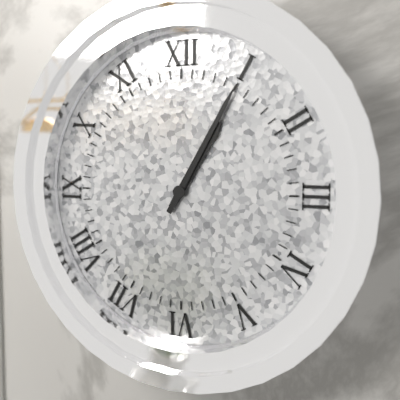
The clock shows h=1 m=5
